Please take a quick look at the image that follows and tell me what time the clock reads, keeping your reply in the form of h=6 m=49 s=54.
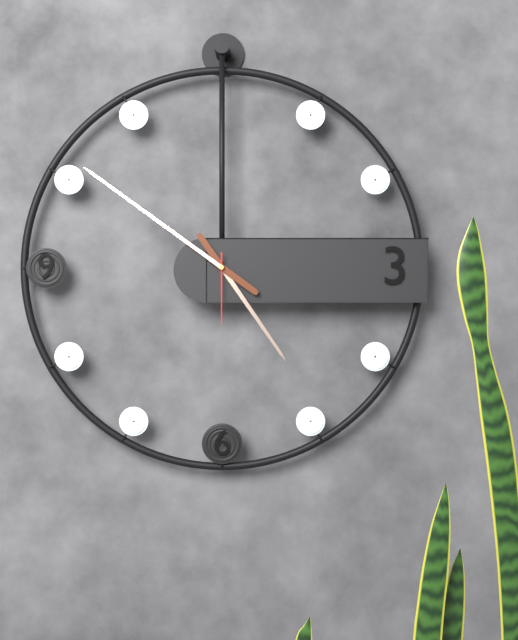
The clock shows h=4 m=51 s=30
